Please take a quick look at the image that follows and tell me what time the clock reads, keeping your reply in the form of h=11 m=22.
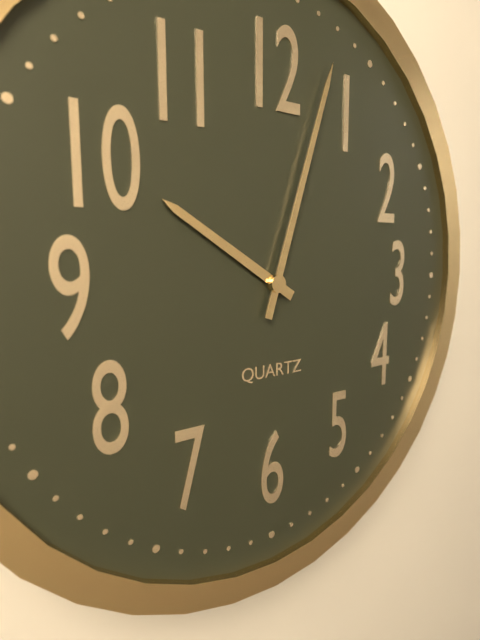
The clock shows h=10 m=3
